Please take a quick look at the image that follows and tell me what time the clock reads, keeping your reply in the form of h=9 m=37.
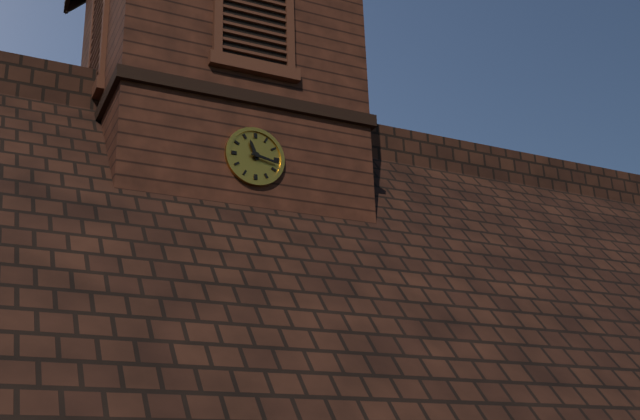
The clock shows h=11 m=17
